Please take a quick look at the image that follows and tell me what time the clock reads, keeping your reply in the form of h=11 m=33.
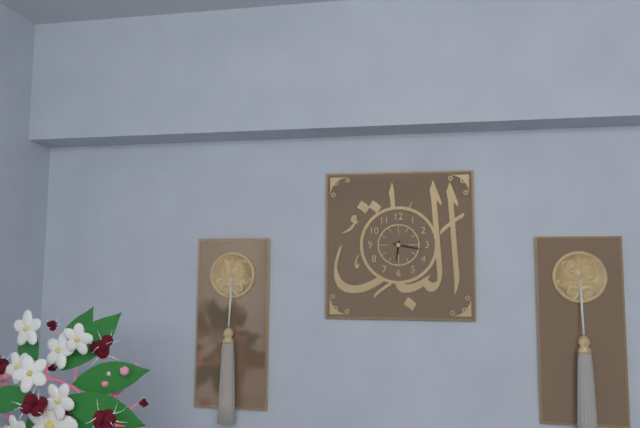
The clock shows h=6 m=17
